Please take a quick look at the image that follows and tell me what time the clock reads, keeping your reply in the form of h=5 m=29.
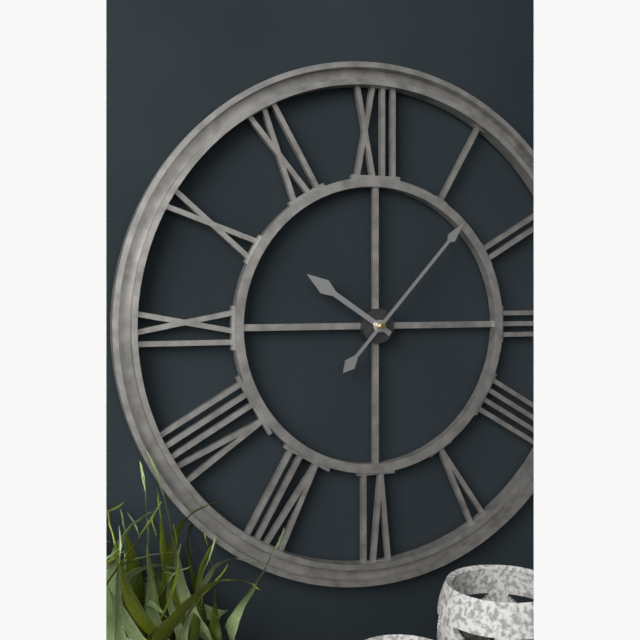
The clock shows h=10 m=7
